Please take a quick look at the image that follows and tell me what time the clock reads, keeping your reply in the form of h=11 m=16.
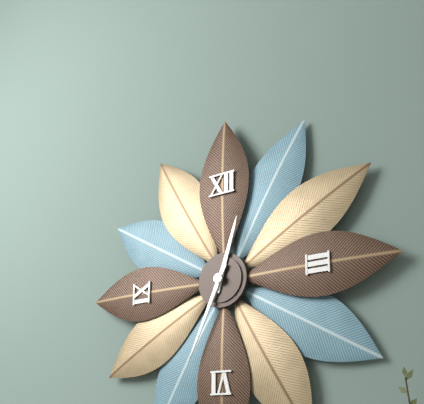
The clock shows h=12 m=34
